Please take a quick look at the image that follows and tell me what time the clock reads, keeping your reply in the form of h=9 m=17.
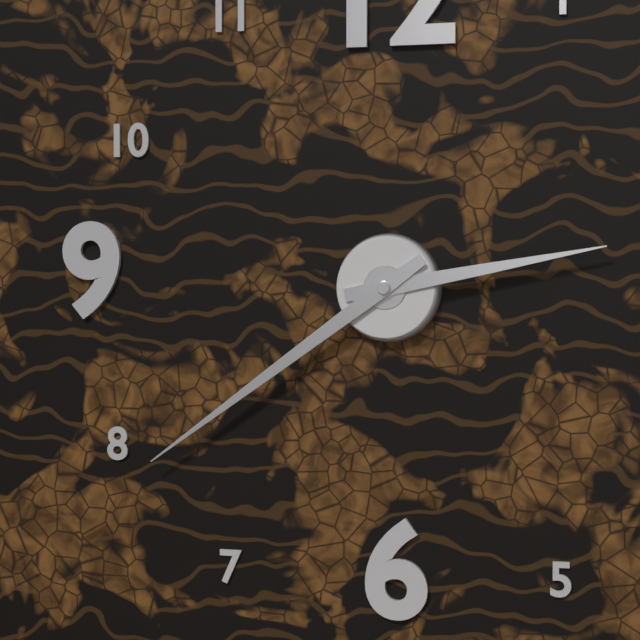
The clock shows h=2 m=39
